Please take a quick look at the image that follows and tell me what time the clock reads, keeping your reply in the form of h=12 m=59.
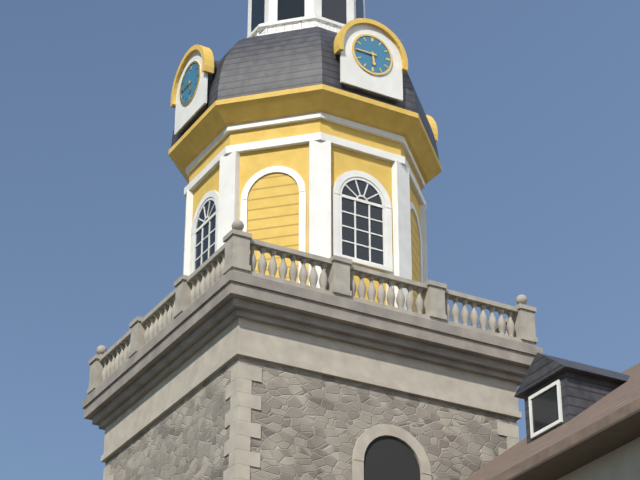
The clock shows h=5 m=45
